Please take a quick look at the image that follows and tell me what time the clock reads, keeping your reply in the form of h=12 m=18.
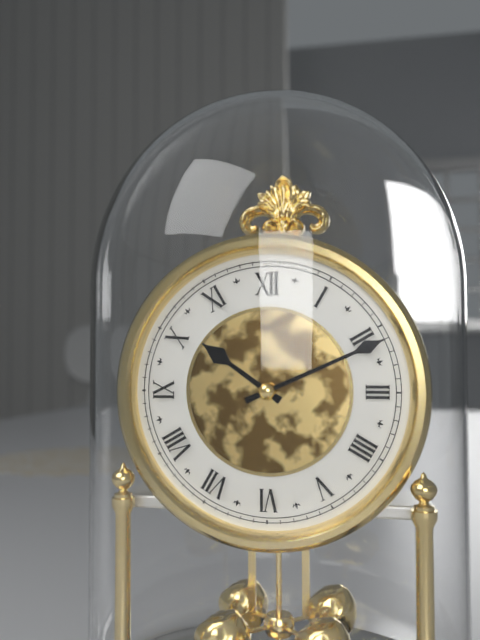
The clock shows h=10 m=11
